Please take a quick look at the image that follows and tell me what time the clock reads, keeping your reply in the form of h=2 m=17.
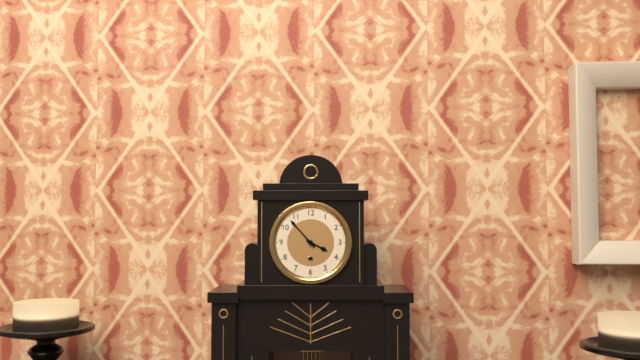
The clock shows h=3 m=53
